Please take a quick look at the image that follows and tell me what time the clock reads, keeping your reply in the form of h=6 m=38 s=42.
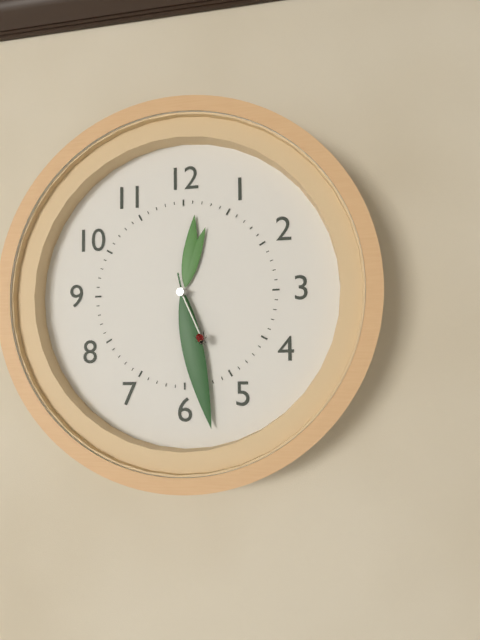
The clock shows h=12 m=28 s=26
